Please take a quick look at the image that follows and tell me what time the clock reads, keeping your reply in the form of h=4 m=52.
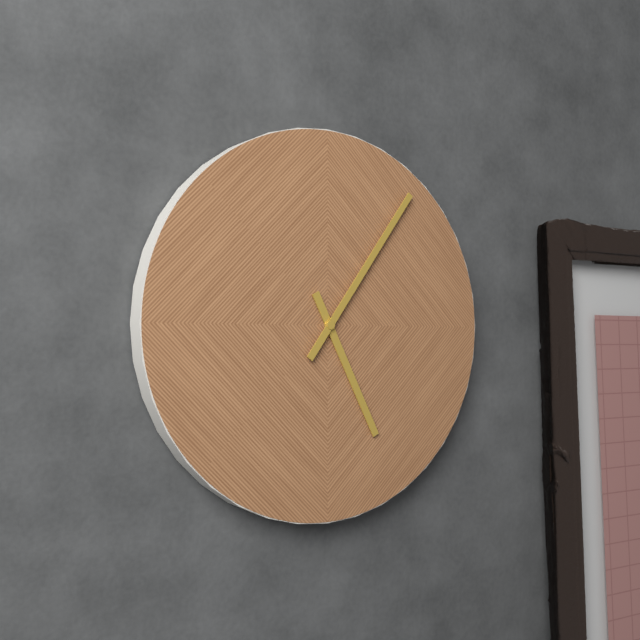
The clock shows h=5 m=6
